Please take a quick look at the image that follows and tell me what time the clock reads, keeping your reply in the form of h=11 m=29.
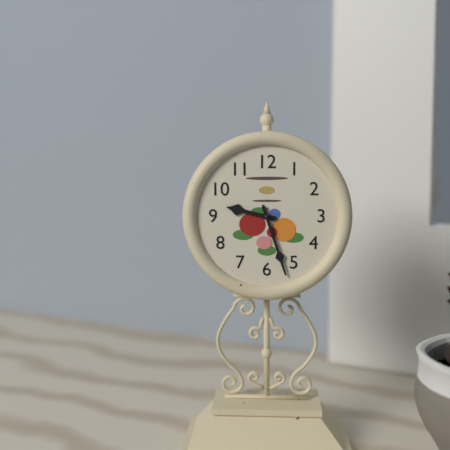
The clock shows h=9 m=27
